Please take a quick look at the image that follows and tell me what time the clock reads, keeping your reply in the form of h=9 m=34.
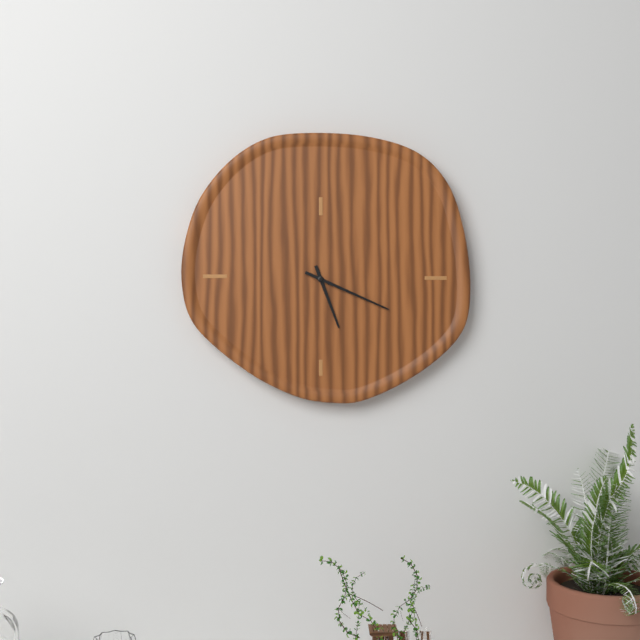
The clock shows h=5 m=19
